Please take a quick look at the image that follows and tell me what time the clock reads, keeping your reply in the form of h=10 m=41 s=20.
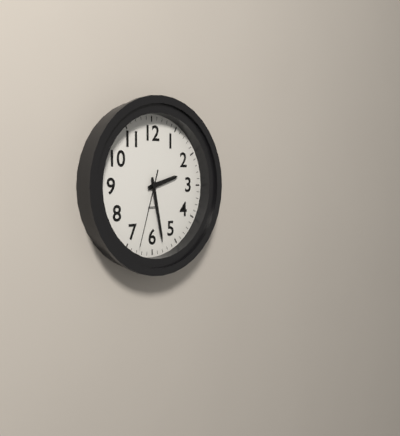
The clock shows h=2 m=28 s=33
